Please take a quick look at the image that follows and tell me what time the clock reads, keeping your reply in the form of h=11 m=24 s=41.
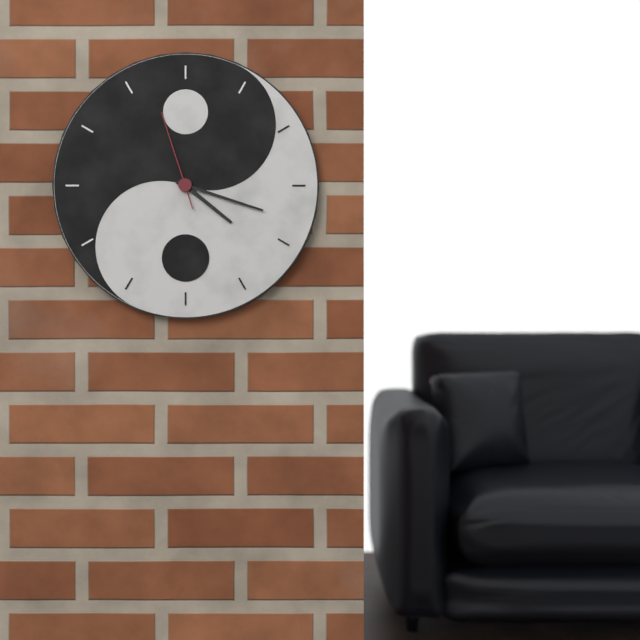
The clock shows h=4 m=18 s=57
